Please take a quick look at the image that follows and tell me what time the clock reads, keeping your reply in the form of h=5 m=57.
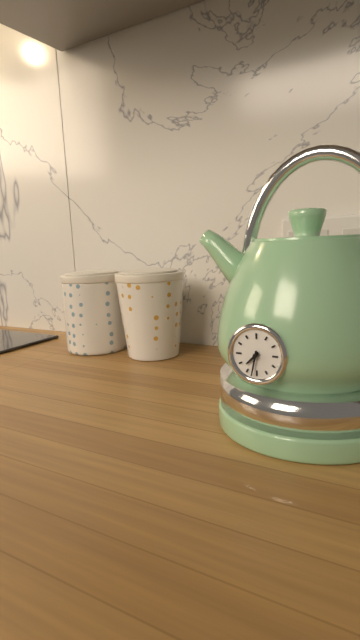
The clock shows h=7 m=32
